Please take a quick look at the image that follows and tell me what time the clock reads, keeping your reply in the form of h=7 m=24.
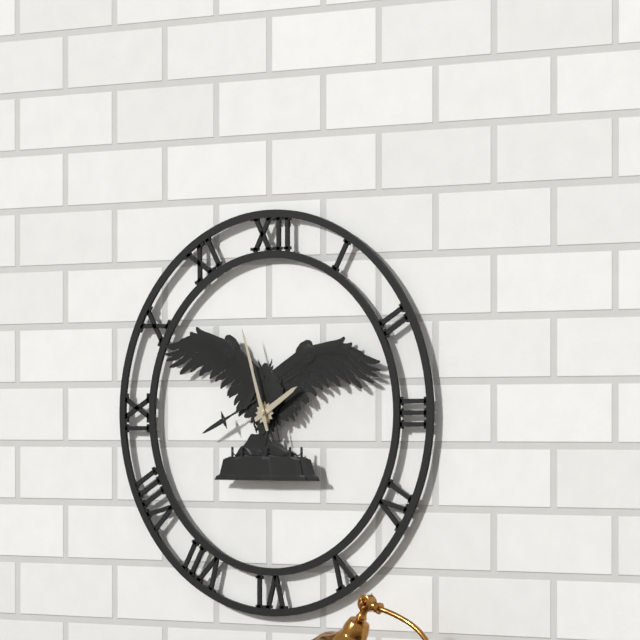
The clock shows h=1 m=57
